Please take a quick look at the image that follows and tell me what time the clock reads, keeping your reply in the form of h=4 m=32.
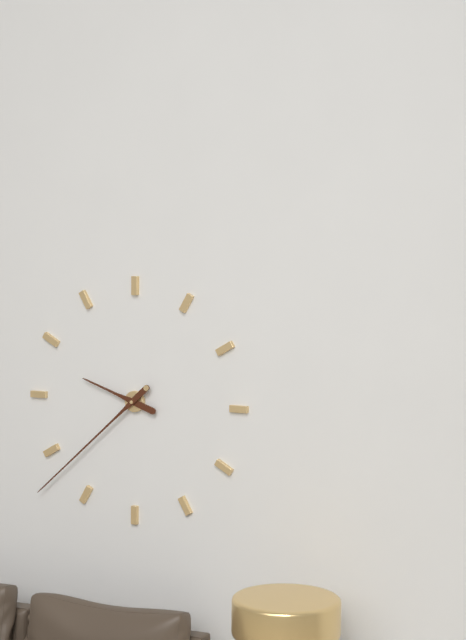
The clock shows h=9 m=38
